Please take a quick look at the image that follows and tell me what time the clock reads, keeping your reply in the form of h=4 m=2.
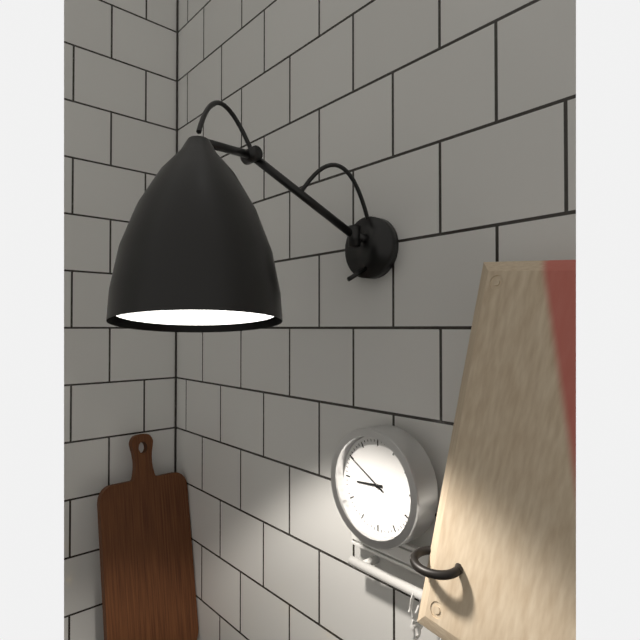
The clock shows h=8 m=50
